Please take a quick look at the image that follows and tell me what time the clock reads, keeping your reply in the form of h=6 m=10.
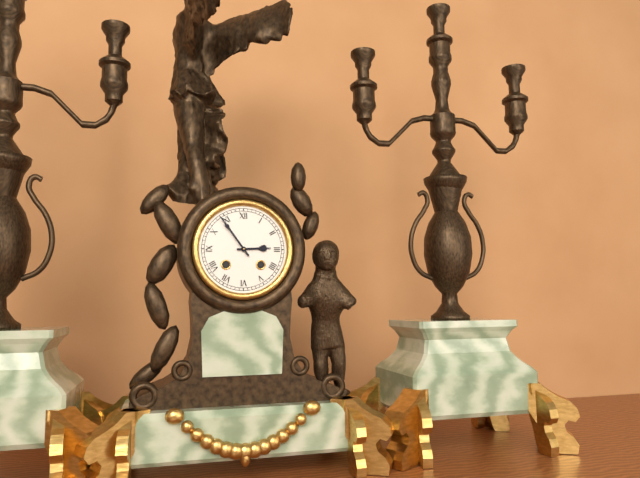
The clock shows h=2 m=54
